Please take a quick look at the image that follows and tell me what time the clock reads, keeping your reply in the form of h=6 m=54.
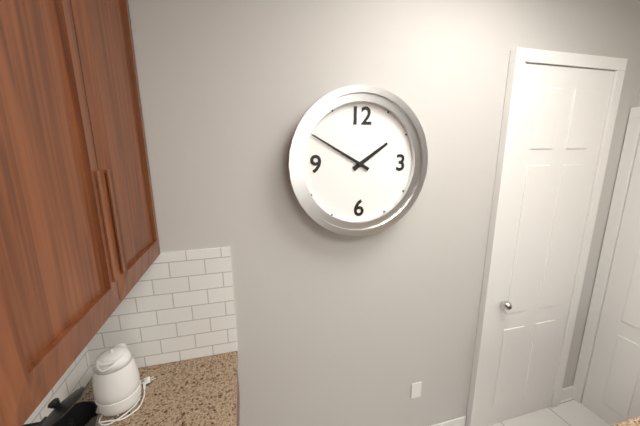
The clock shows h=1 m=50
